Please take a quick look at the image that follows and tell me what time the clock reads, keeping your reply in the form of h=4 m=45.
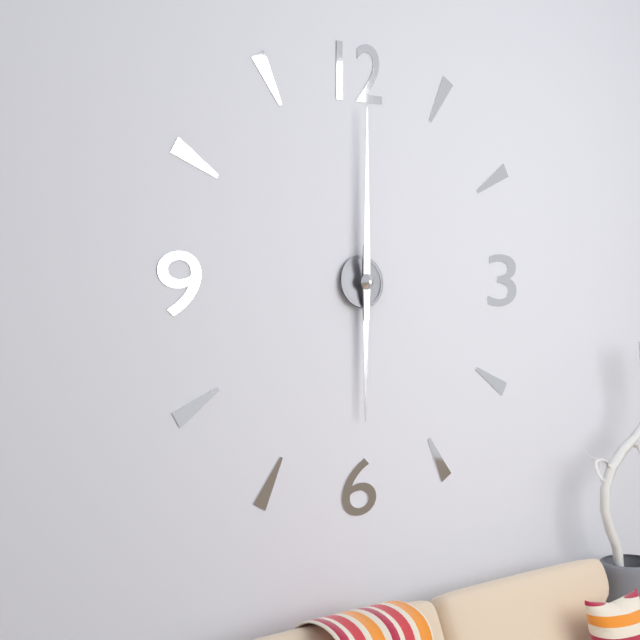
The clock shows h=6 m=0
